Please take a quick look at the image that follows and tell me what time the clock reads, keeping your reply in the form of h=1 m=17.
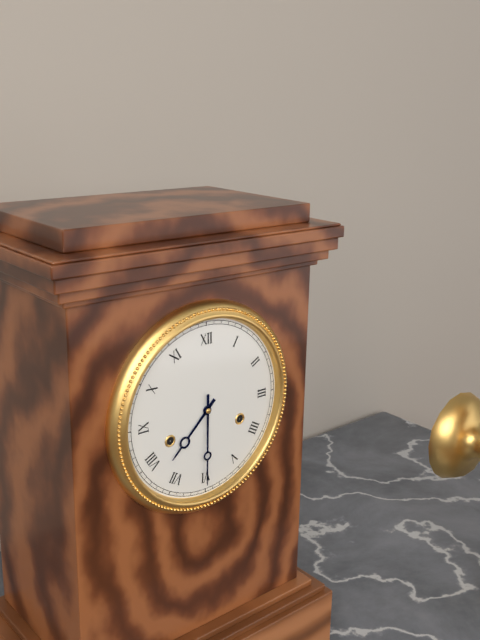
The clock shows h=7 m=30
